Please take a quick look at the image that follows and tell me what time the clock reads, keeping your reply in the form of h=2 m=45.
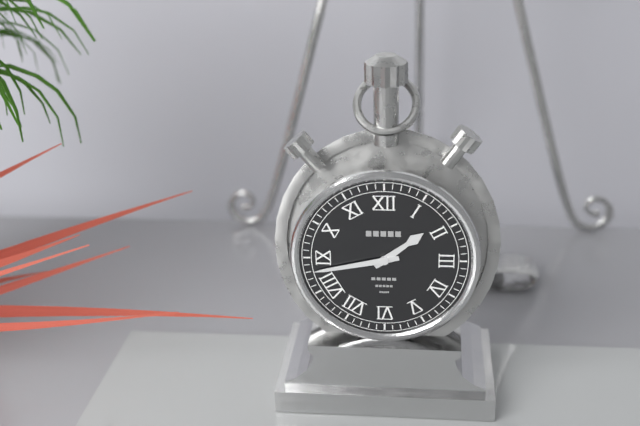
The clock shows h=1 m=43
